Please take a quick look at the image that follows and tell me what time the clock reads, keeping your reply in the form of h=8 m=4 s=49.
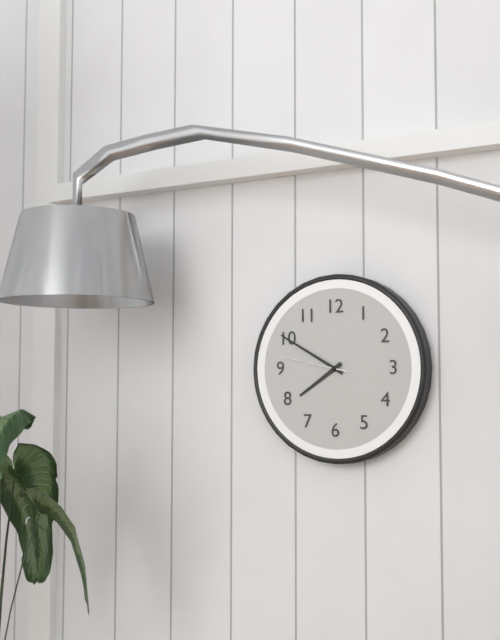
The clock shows h=7 m=50 s=47
